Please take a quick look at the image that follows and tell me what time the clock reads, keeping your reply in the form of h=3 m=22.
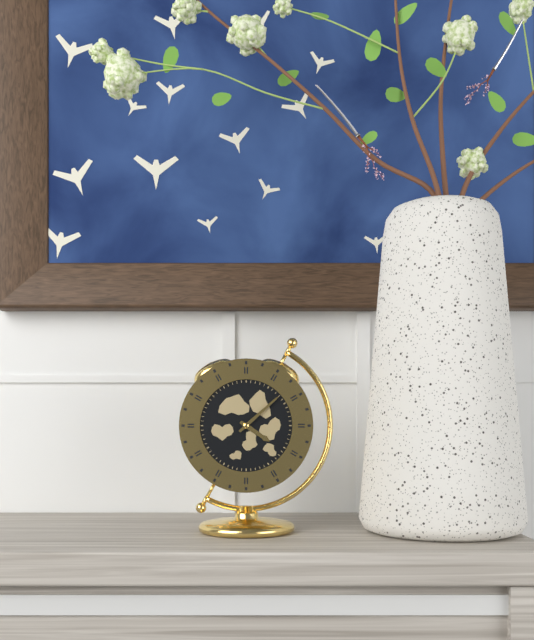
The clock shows h=4 m=8
